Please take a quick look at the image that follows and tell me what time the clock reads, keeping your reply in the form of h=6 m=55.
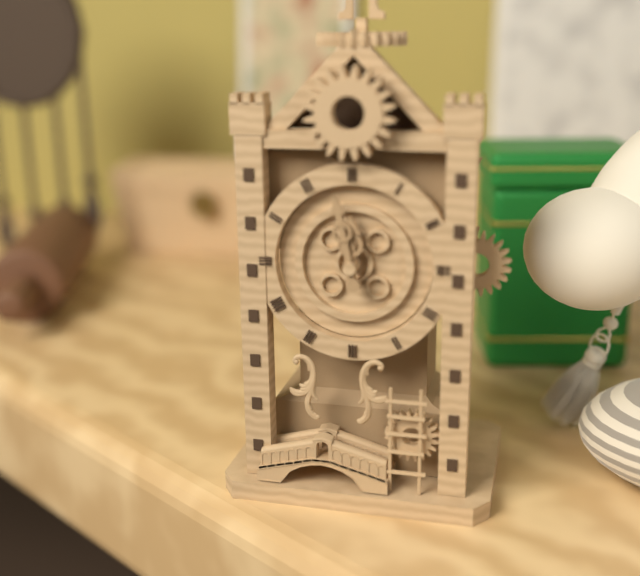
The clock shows h=11 m=58
